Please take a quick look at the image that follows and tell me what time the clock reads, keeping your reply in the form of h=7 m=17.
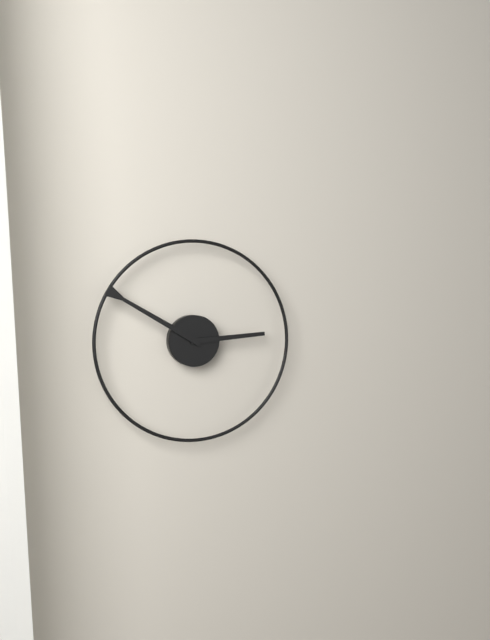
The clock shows h=2 m=50
